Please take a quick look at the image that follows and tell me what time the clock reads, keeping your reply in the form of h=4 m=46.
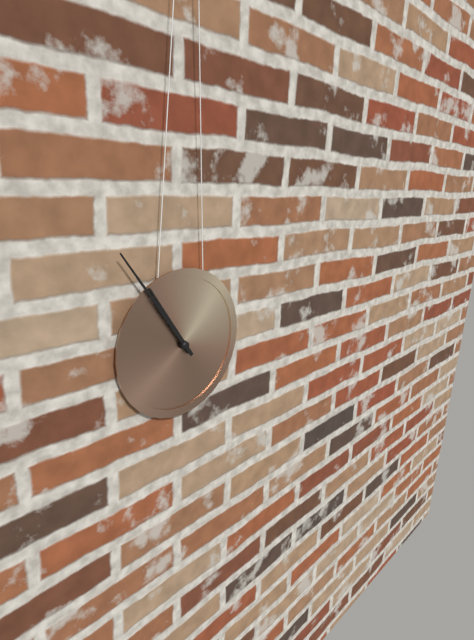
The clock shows h=10 m=54
